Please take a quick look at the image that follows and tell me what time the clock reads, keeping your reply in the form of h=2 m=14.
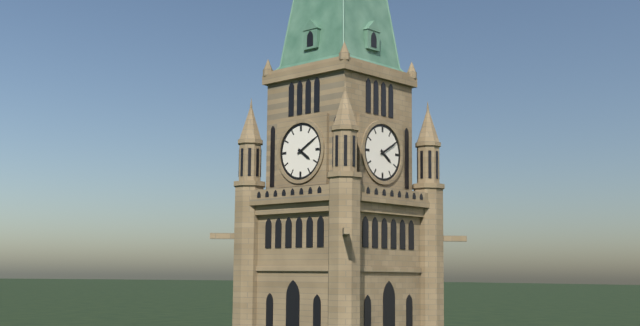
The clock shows h=4 m=10
